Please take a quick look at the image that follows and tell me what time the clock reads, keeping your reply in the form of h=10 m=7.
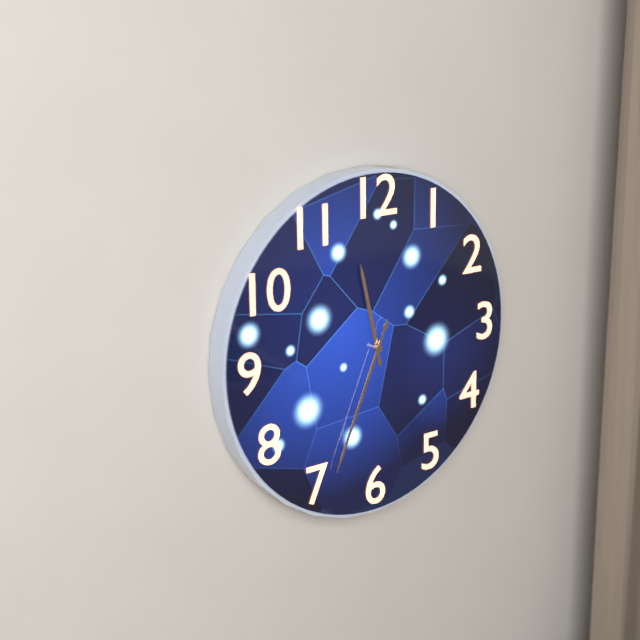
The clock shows h=11 m=34
